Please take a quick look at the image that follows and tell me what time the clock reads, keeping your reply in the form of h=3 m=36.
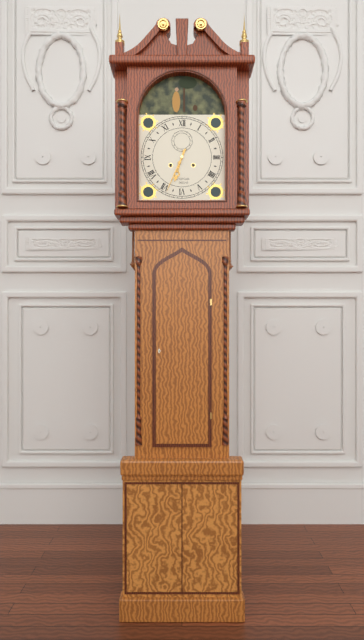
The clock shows h=6 m=34
